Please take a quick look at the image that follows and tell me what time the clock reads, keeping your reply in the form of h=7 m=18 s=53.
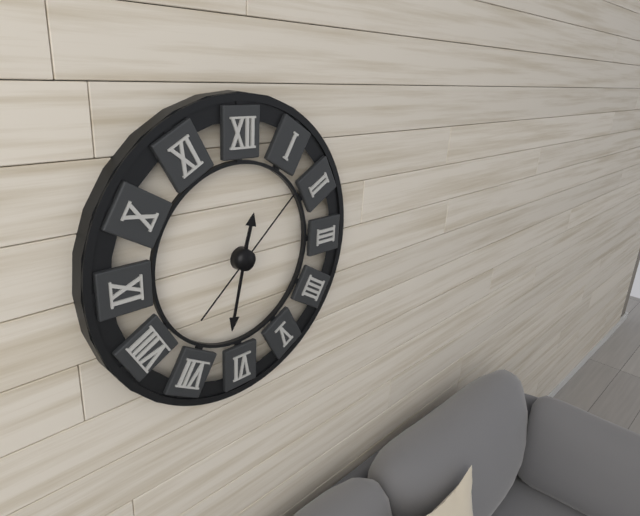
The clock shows h=12 m=32 s=8
